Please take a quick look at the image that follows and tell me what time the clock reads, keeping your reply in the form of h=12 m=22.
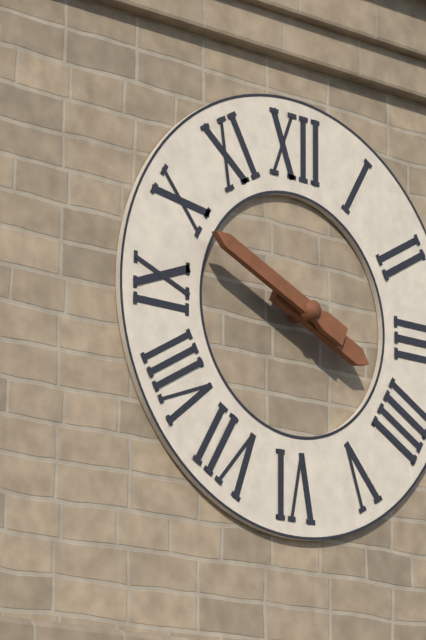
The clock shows h=3 m=49
